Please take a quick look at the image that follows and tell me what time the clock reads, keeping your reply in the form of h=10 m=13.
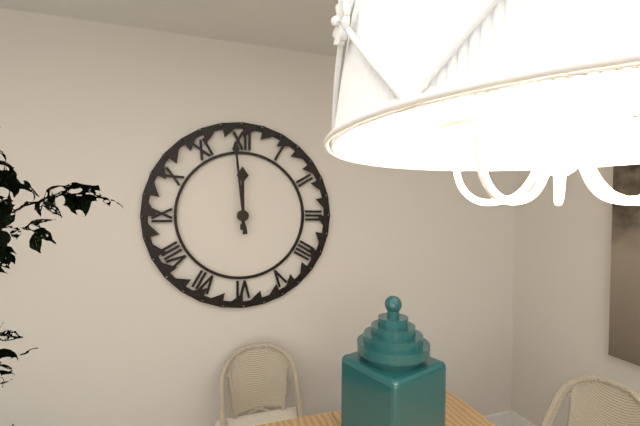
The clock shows h=11 m=59
